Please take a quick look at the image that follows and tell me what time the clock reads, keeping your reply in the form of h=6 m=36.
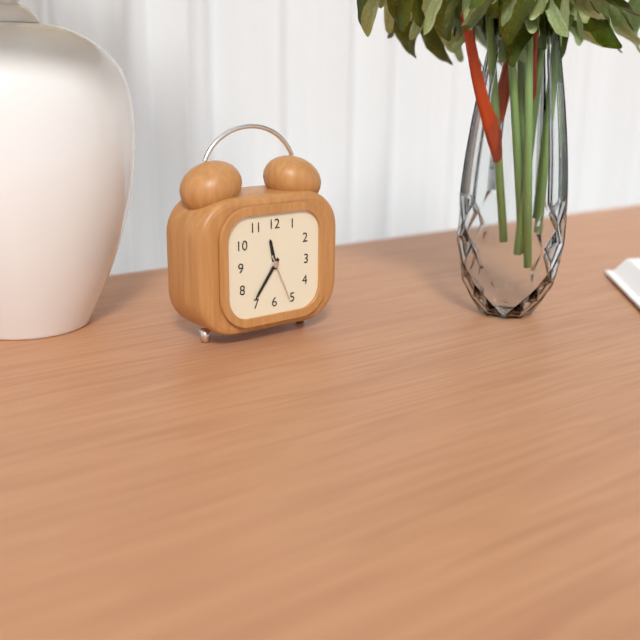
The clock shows h=11 m=36
